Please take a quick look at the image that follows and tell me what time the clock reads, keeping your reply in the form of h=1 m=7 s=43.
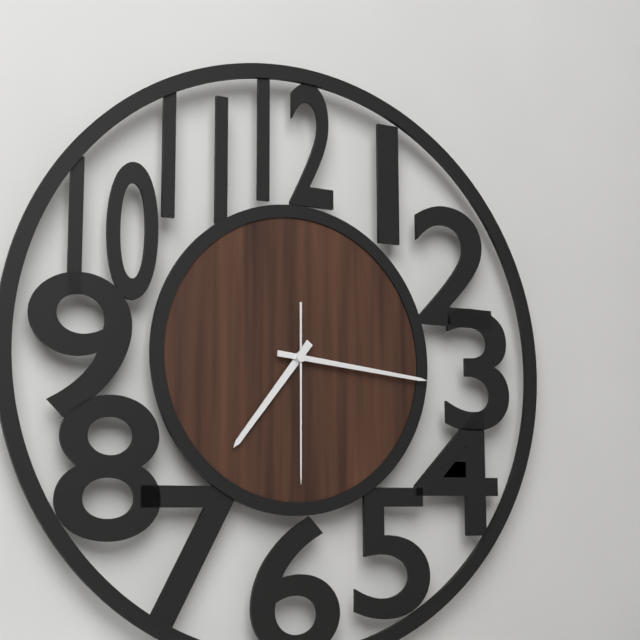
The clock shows h=7 m=16 s=30
